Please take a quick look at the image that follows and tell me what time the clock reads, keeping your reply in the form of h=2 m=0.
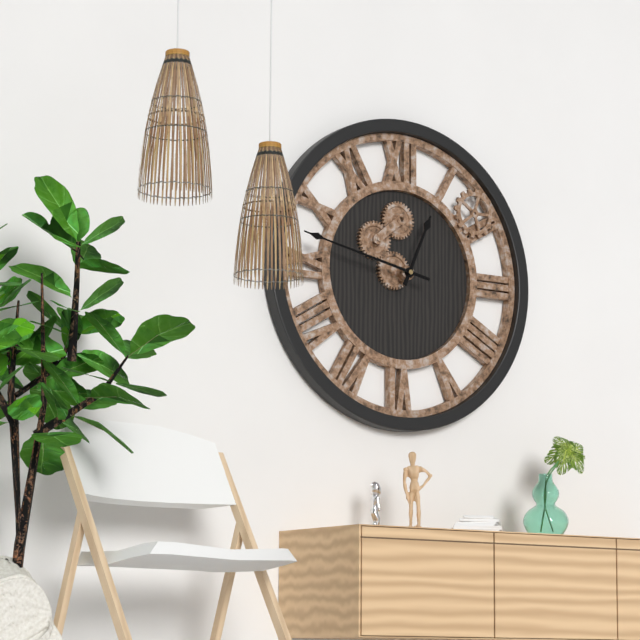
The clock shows h=12 m=47
